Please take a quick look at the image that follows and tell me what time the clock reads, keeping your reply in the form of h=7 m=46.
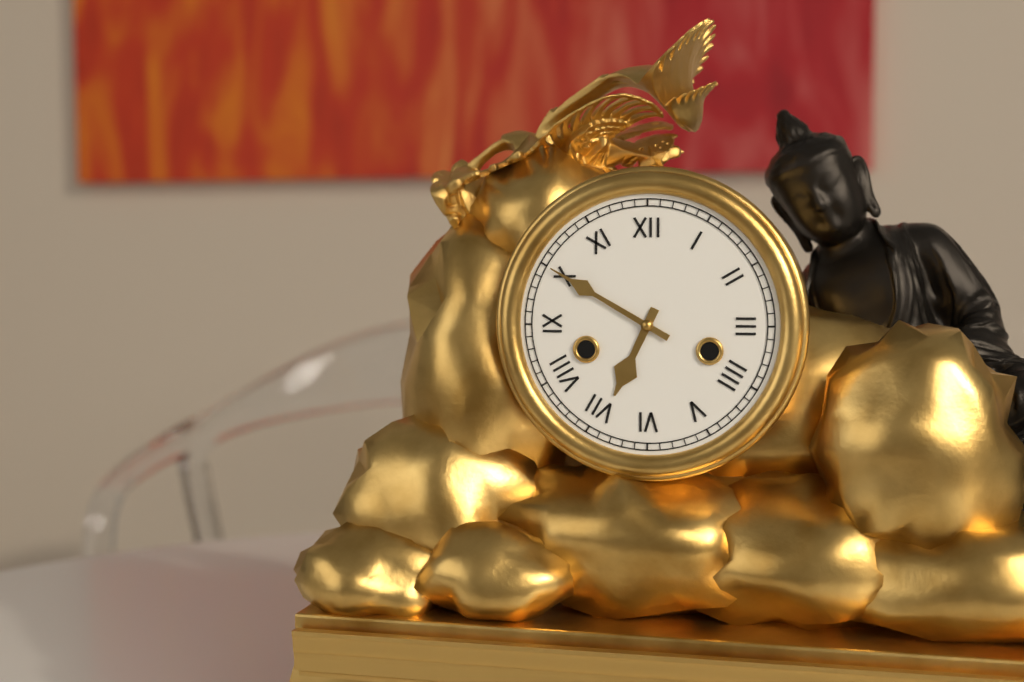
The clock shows h=6 m=50
